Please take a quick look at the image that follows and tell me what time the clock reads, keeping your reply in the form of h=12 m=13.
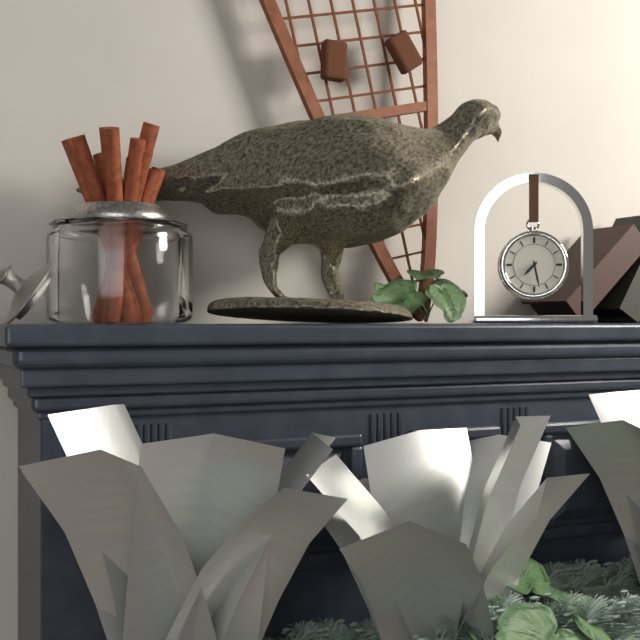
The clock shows h=7 m=28
